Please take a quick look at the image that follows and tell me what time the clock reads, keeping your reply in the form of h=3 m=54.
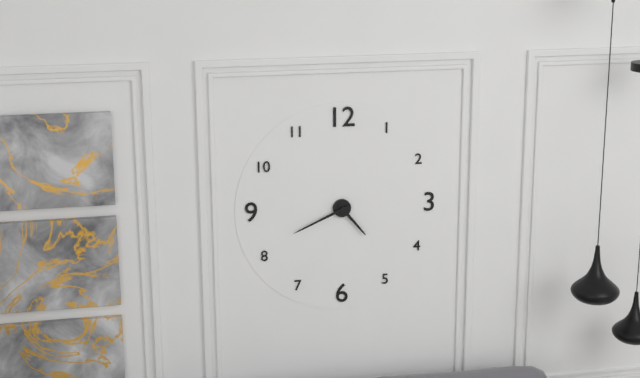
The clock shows h=4 m=41
